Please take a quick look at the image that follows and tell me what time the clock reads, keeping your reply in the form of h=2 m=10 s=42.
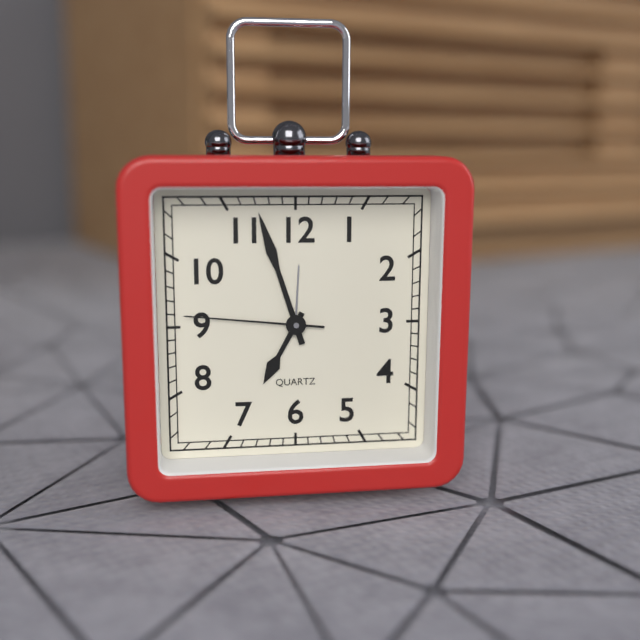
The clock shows h=6 m=57 s=46
